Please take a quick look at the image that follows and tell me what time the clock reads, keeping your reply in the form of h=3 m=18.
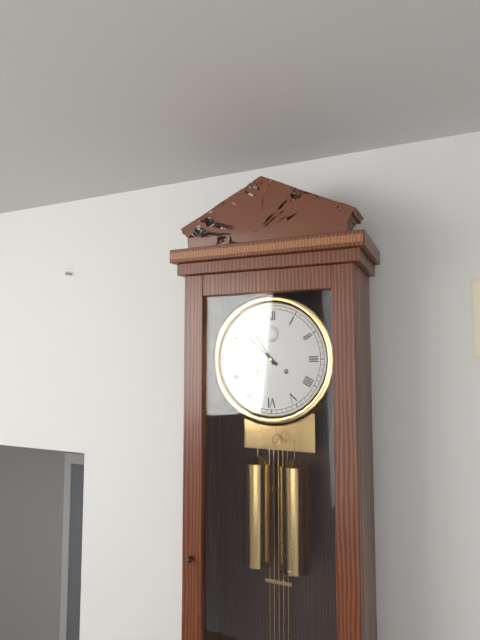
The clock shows h=10 m=52
